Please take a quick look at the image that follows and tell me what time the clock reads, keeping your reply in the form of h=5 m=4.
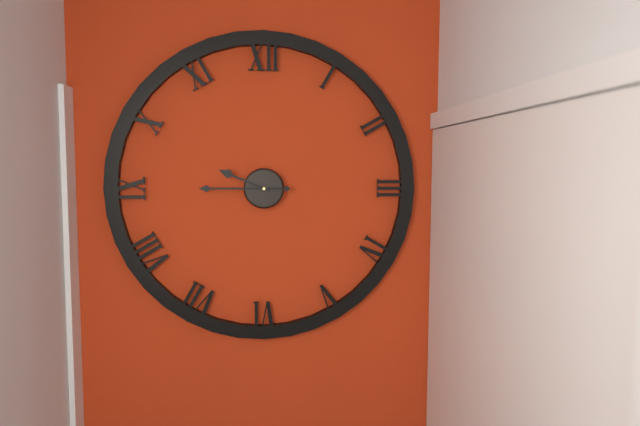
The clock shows h=9 m=45
